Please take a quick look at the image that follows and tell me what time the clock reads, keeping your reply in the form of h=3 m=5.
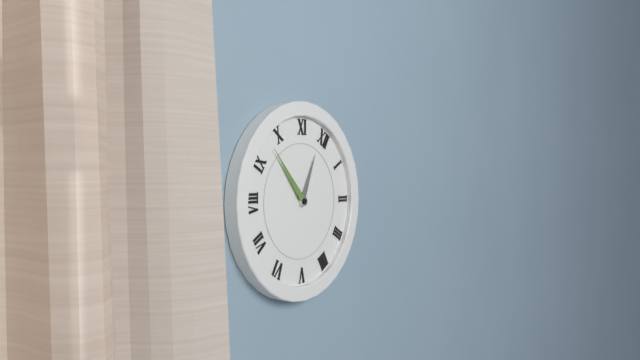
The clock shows h=11 m=48
